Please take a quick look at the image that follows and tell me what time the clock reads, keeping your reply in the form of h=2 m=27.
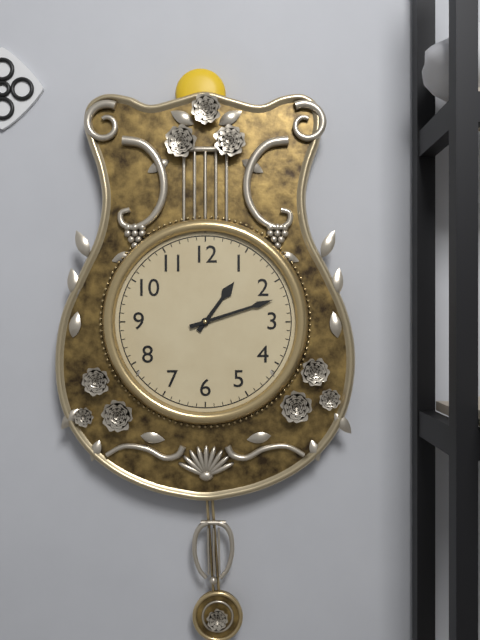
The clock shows h=1 m=12
